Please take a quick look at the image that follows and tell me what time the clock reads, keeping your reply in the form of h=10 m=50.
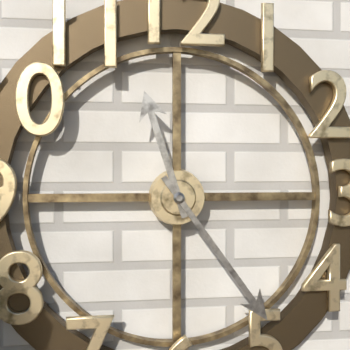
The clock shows h=11 m=24
